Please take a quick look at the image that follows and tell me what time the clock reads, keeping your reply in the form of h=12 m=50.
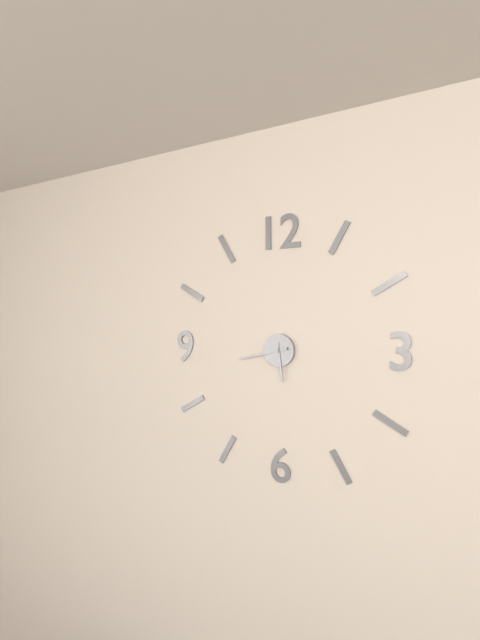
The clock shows h=5 m=43
